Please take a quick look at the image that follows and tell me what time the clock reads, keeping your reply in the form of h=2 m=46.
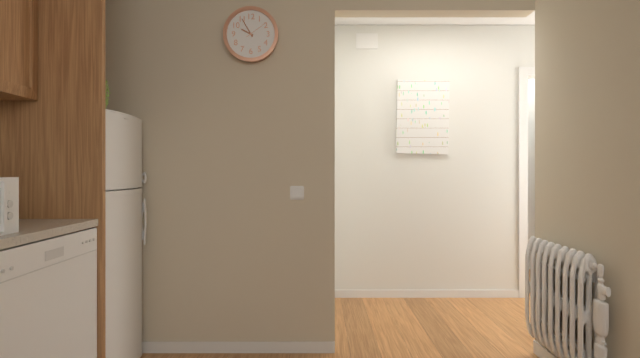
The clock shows h=9 m=55
